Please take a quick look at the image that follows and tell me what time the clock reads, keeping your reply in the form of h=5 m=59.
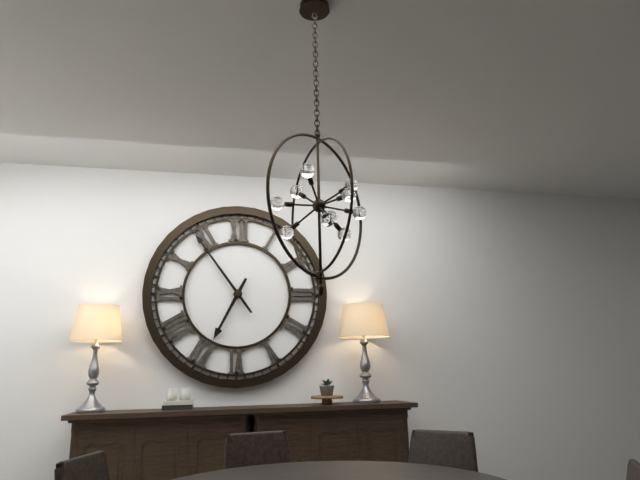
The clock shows h=6 m=54
